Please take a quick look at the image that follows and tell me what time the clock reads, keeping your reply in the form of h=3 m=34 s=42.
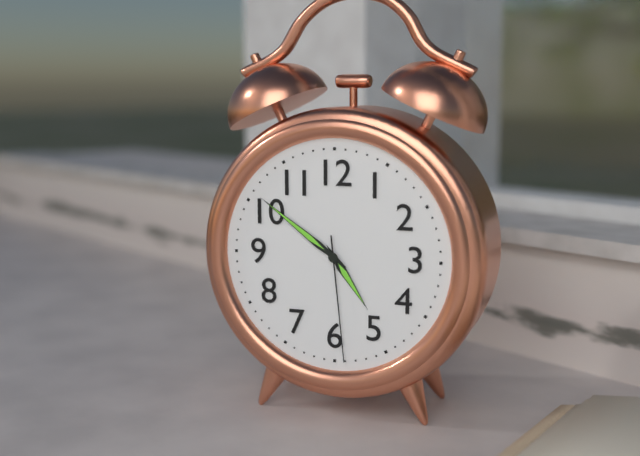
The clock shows h=4 m=51 s=29
